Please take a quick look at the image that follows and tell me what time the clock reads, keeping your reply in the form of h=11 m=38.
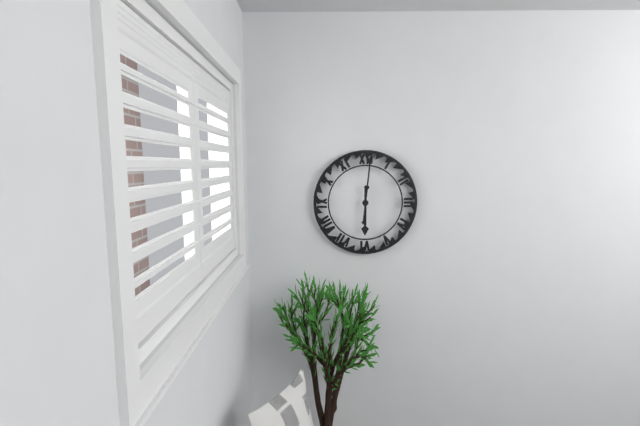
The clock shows h=6 m=1
